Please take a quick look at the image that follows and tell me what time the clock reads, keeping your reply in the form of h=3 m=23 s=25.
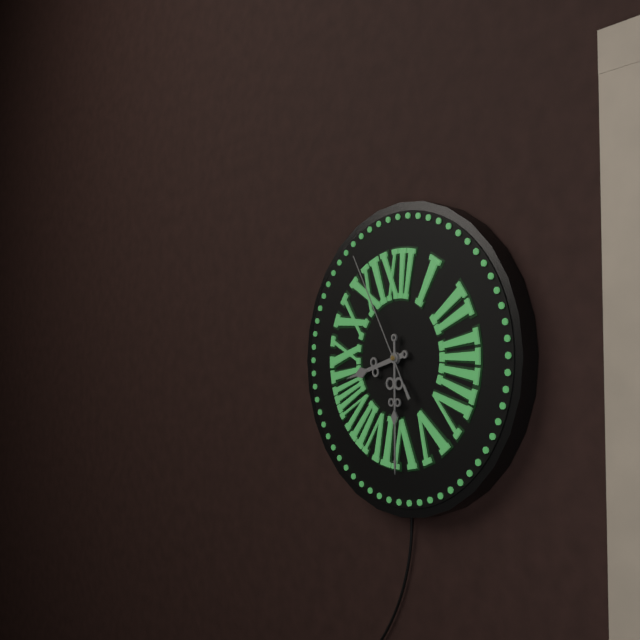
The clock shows h=8 m=30 s=55
